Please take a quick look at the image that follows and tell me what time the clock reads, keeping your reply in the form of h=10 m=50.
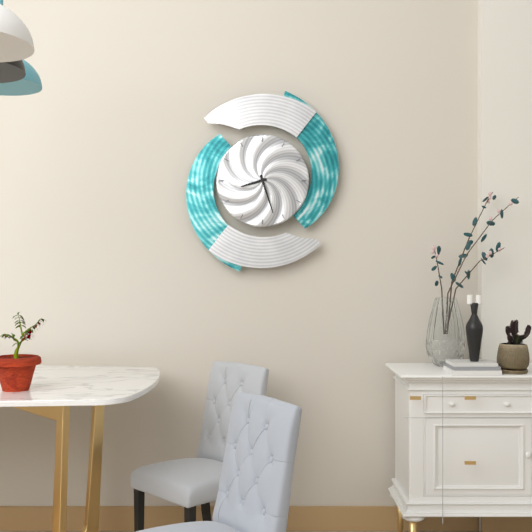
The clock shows h=8 m=27
